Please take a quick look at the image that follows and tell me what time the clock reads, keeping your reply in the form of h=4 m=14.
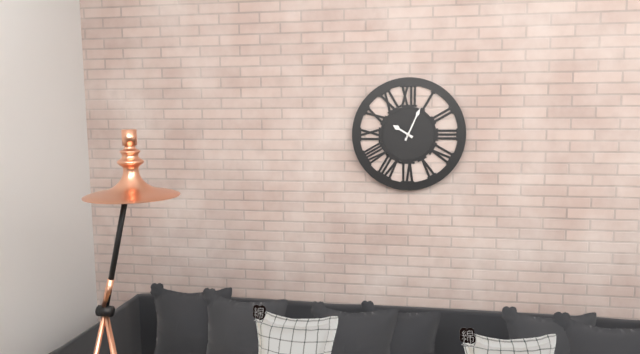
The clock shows h=10 m=4
